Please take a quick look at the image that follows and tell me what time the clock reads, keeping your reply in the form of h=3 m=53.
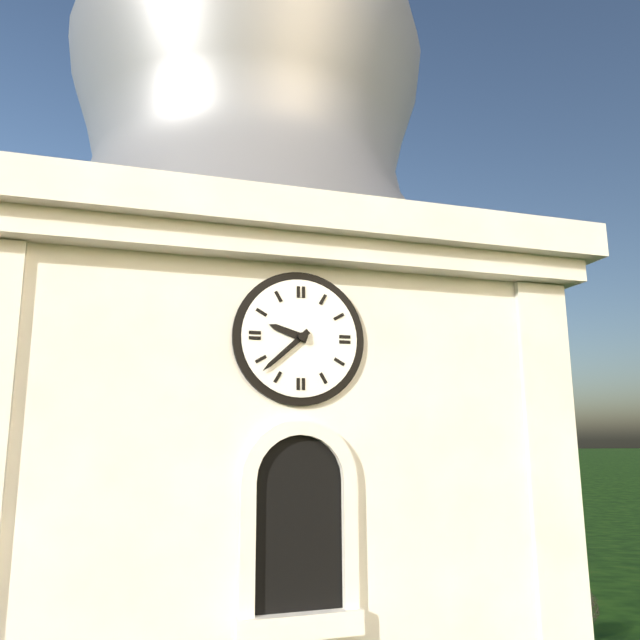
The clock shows h=9 m=38
